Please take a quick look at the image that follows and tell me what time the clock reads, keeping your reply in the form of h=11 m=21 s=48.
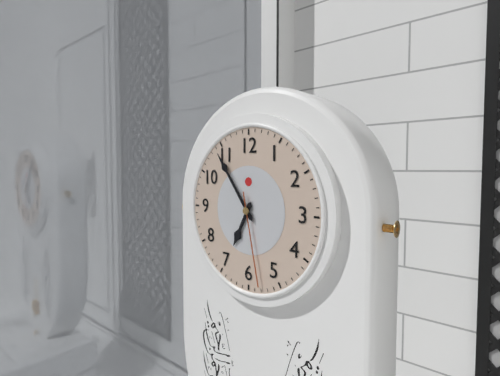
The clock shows h=6 m=54 s=28
